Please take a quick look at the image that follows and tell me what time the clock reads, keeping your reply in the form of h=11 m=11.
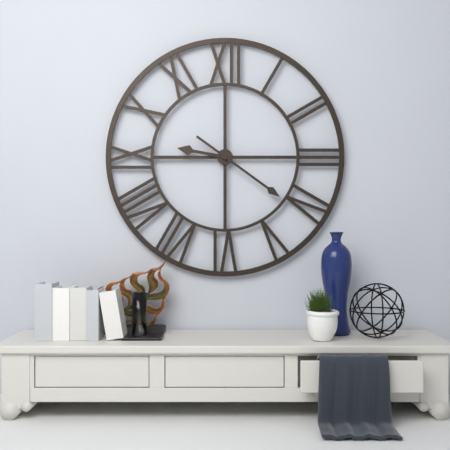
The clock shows h=9 m=21
